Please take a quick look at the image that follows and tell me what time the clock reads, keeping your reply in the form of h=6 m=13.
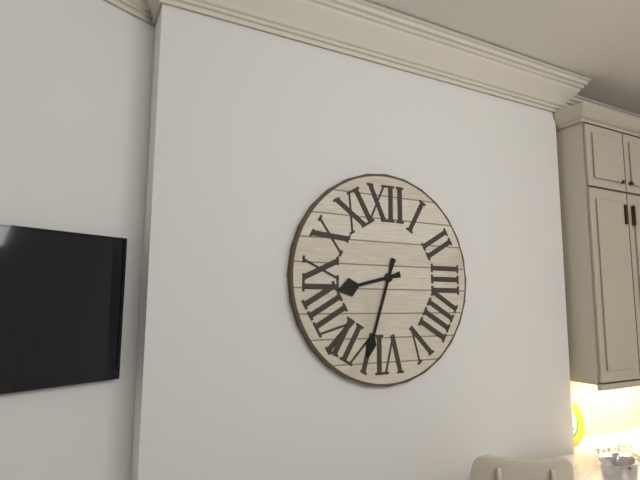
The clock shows h=8 m=33
